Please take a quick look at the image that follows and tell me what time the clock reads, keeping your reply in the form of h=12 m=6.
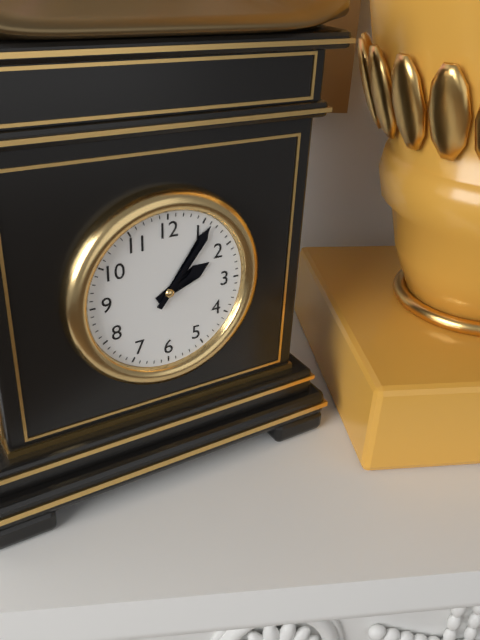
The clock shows h=2 m=6
